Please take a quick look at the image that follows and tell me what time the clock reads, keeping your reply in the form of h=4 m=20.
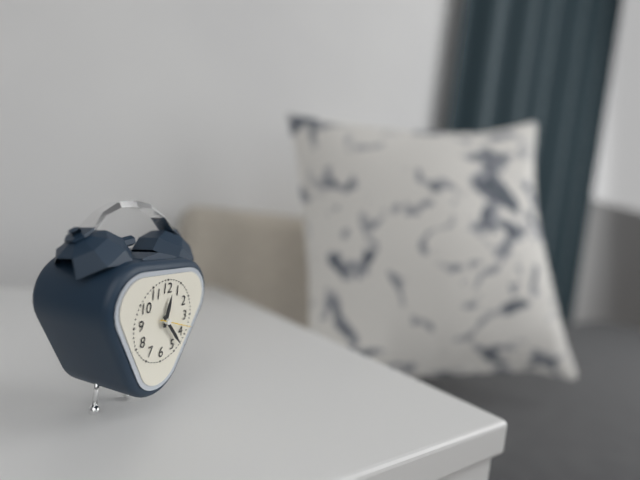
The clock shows h=12 m=23
